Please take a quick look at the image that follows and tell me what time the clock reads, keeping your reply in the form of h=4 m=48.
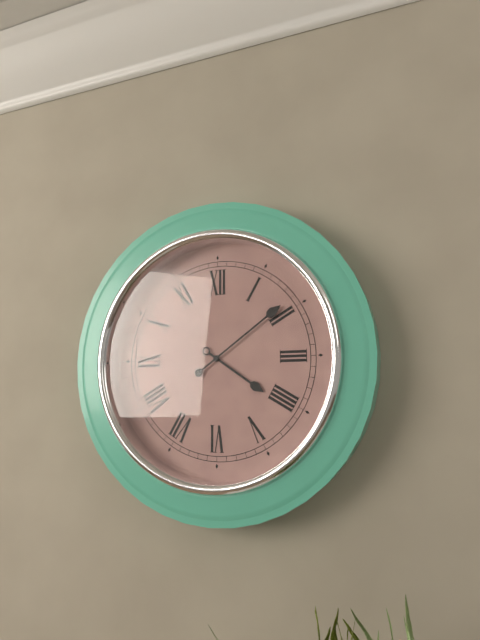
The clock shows h=4 m=9
